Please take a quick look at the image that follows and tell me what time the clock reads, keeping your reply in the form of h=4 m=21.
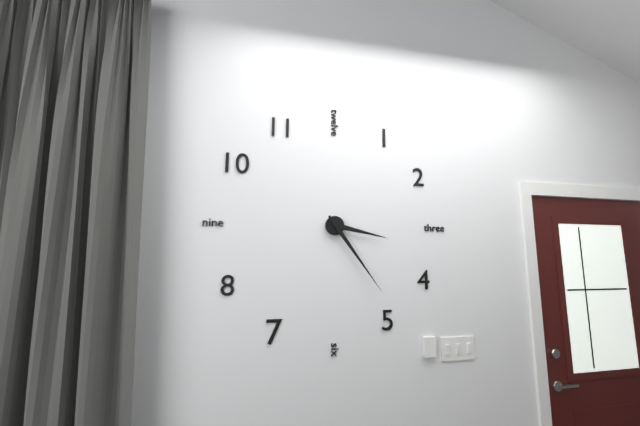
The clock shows h=3 m=24
